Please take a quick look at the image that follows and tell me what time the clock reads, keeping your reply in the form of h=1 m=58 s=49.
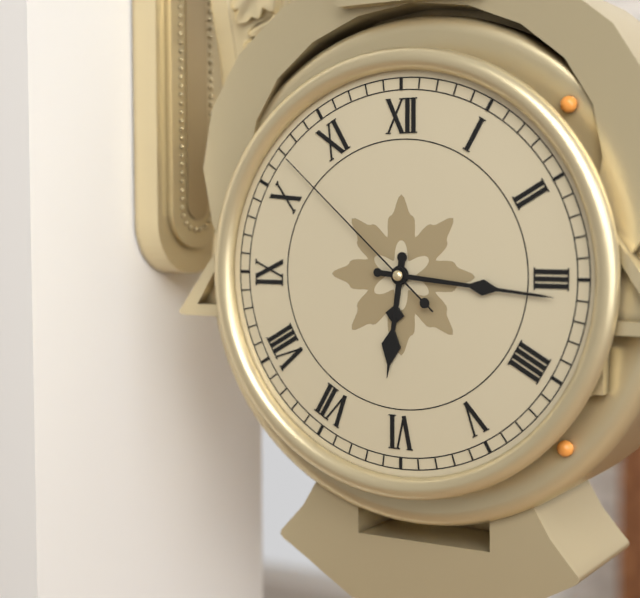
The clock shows h=6 m=16 s=52
